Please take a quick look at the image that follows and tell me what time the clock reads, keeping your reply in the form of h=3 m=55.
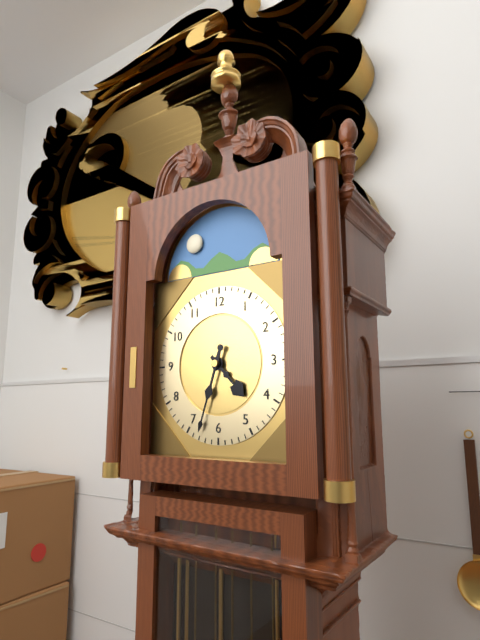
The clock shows h=4 m=33
